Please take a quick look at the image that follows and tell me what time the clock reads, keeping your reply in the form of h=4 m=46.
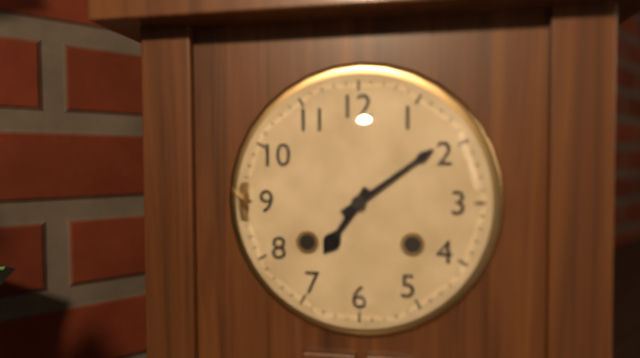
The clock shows h=7 m=9
